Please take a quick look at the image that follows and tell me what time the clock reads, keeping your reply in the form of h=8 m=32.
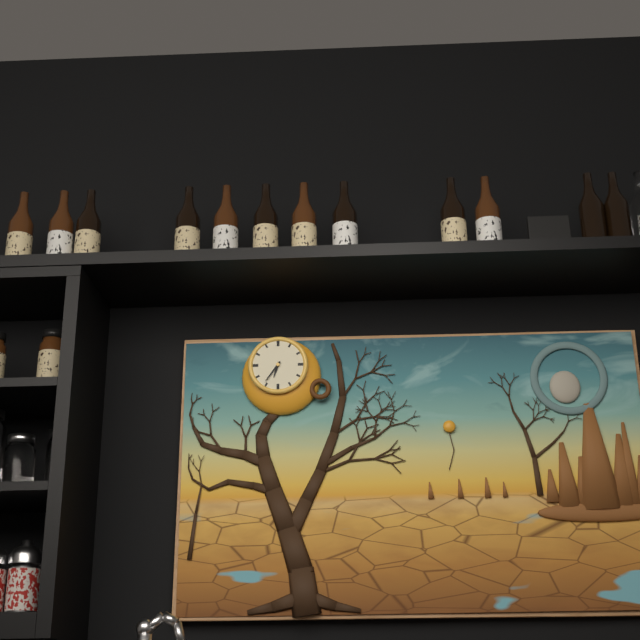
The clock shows h=6 m=36
